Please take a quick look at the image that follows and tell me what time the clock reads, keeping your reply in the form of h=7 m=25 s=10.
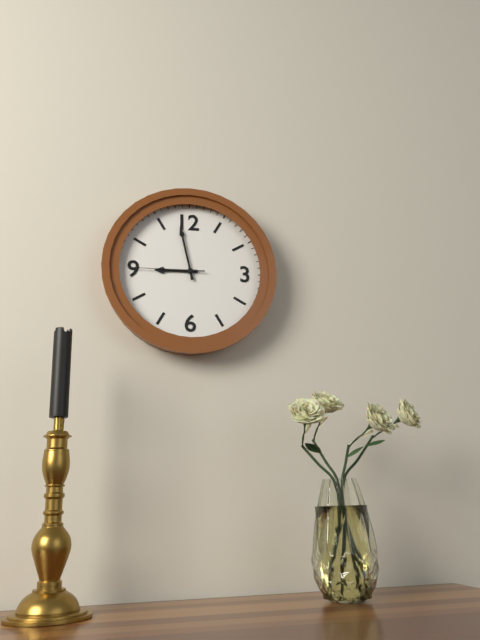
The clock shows h=8 m=58 s=45
